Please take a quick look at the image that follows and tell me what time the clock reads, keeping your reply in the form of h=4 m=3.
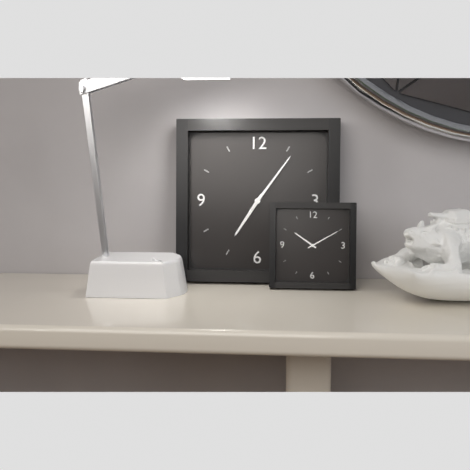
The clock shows h=7 m=6
